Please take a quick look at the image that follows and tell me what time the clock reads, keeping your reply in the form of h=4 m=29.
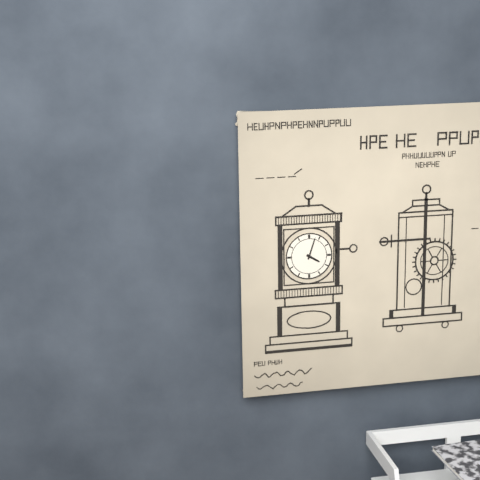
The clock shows h=4 m=3
